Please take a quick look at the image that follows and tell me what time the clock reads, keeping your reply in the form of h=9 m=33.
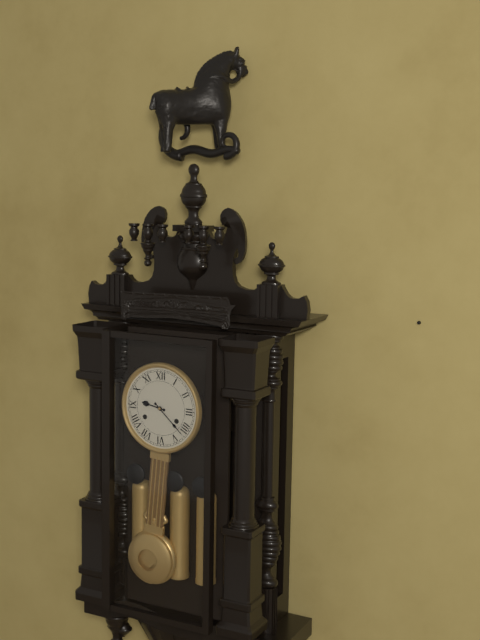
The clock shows h=9 m=22
